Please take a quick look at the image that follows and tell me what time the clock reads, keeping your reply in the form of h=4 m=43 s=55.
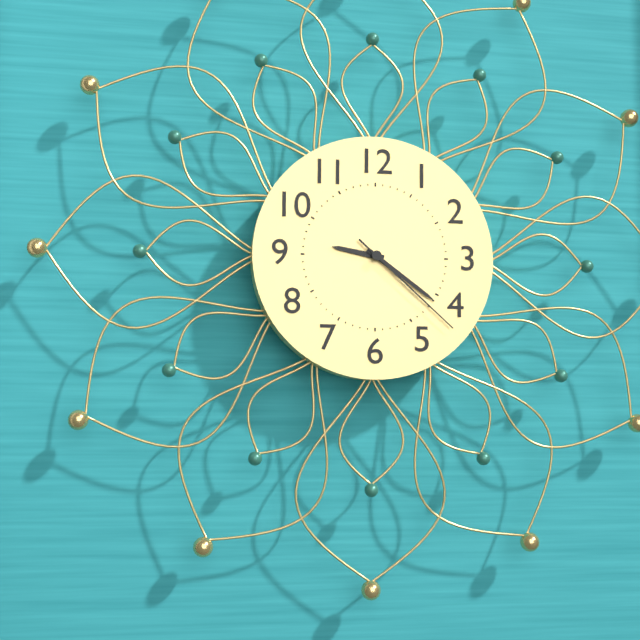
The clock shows h=9 m=21 s=22
